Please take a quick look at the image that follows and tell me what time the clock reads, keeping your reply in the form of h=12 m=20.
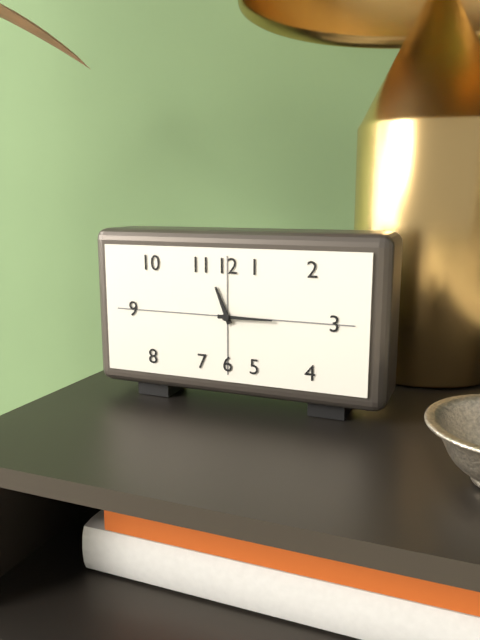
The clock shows h=11 m=15
